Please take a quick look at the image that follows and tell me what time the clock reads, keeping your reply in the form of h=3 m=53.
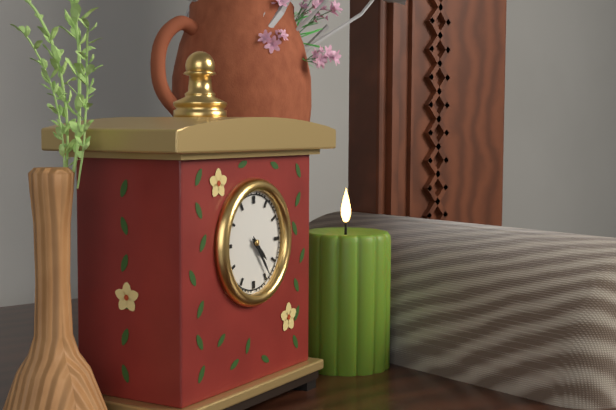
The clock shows h=4 m=24
